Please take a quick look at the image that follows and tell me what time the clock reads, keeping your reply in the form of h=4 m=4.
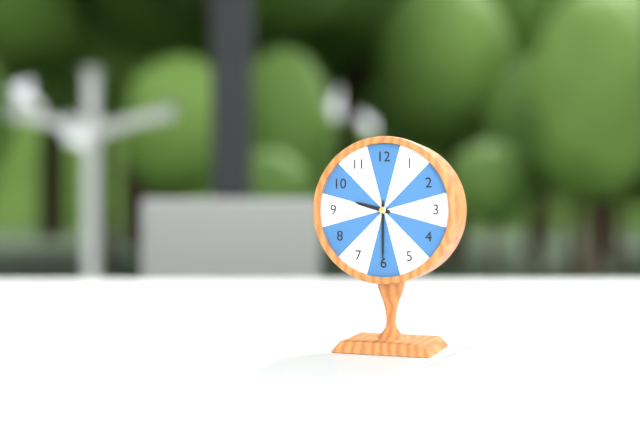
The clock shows h=9 m=30
